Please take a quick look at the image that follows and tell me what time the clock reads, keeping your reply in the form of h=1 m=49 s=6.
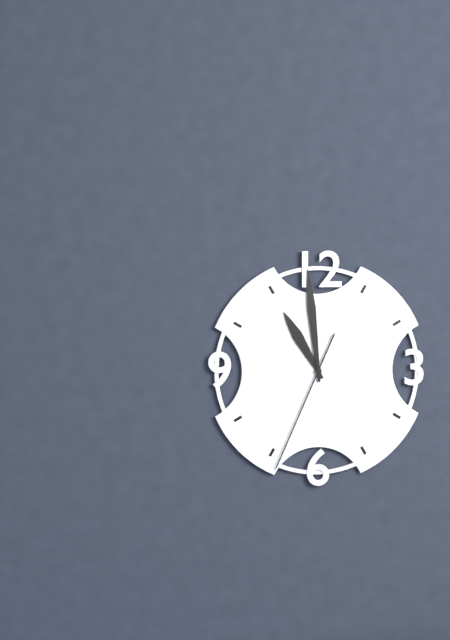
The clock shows h=10 m=59 s=34
